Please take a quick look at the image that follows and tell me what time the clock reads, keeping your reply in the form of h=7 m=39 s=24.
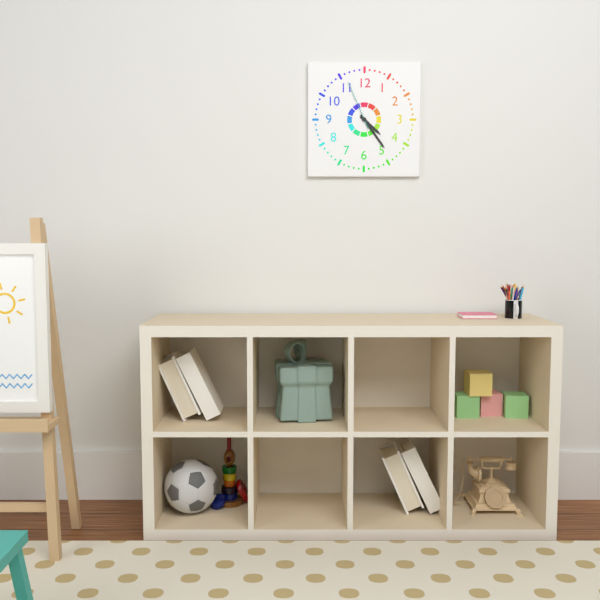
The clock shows h=4 m=24 s=56
